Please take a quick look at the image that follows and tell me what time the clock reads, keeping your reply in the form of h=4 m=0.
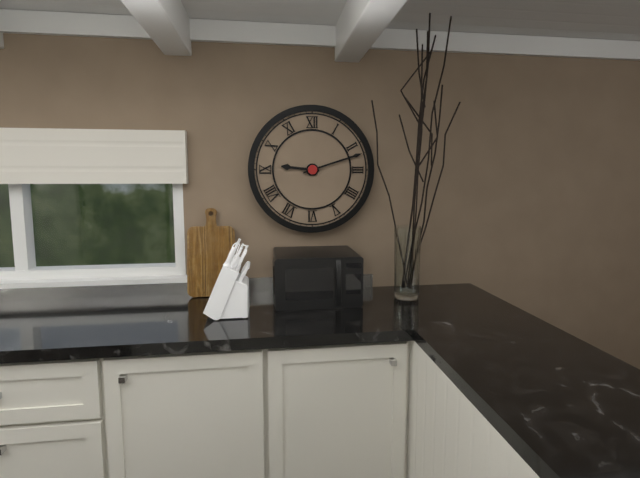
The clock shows h=9 m=12
